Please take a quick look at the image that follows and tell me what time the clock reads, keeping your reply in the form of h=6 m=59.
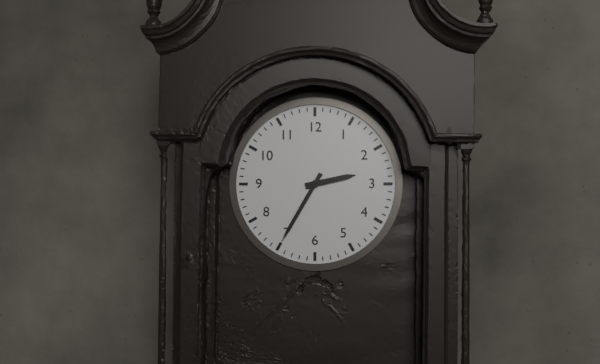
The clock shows h=2 m=35
